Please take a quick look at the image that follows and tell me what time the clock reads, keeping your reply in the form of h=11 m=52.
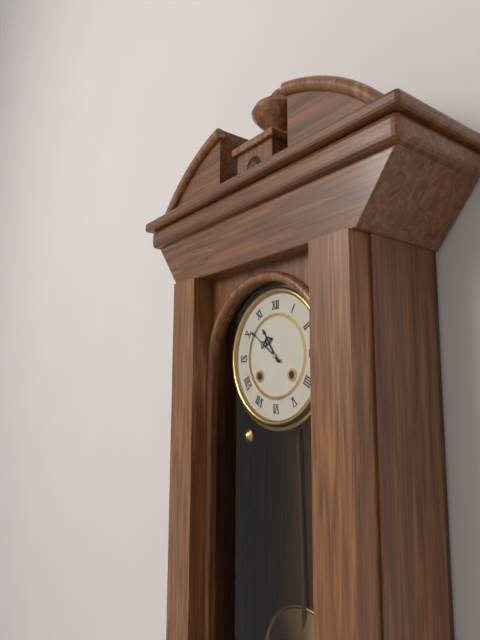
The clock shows h=10 m=51
